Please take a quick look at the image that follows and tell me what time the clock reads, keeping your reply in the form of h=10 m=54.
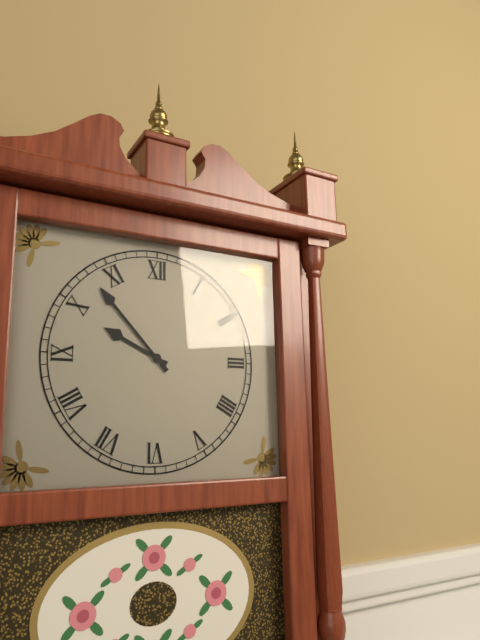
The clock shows h=9 m=53
